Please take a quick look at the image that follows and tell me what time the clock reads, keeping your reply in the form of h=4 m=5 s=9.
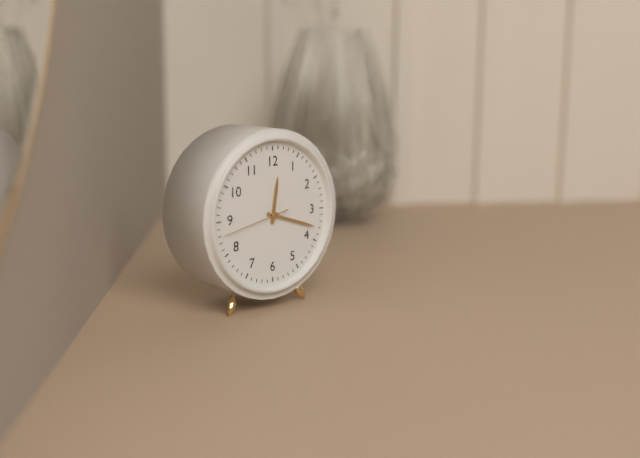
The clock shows h=12 m=18 s=43
